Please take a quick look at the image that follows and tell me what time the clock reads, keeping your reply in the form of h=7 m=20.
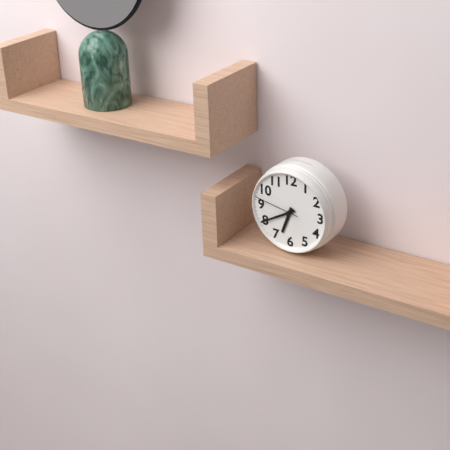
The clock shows h=6 m=40
